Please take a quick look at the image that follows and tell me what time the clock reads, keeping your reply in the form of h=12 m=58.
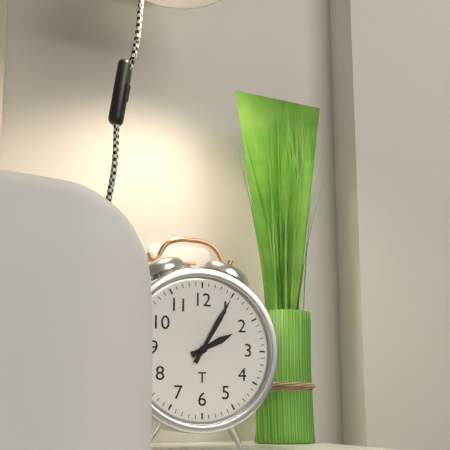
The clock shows h=2 m=5
